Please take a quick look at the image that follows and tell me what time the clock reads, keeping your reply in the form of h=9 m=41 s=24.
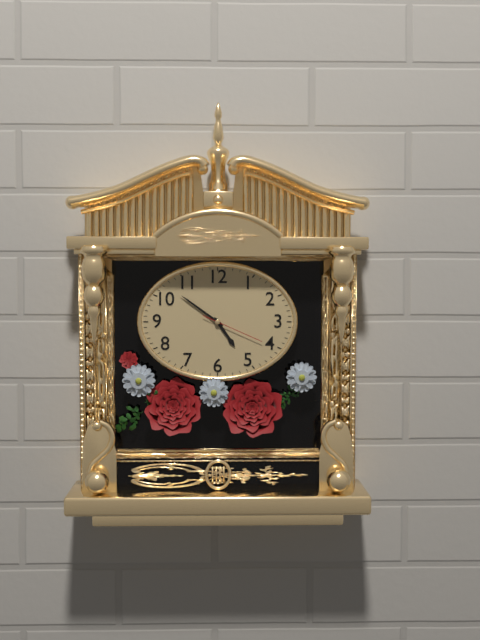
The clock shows h=4 m=51 s=19
